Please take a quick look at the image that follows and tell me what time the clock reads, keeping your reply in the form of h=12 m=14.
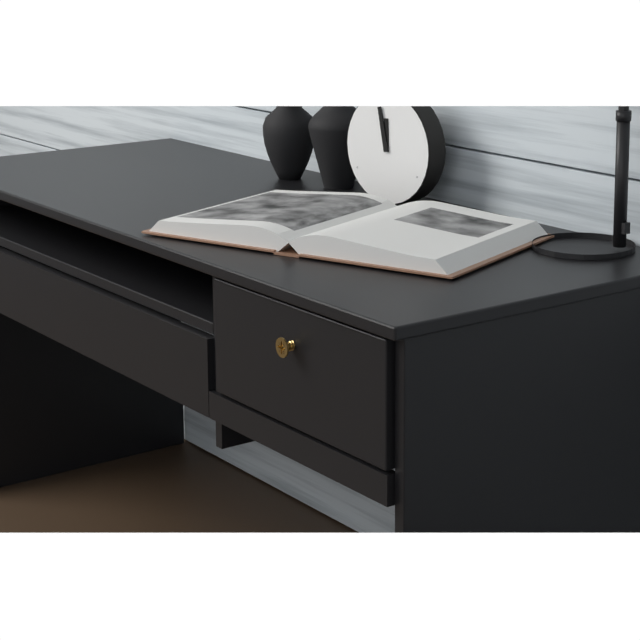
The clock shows h=11 m=58
